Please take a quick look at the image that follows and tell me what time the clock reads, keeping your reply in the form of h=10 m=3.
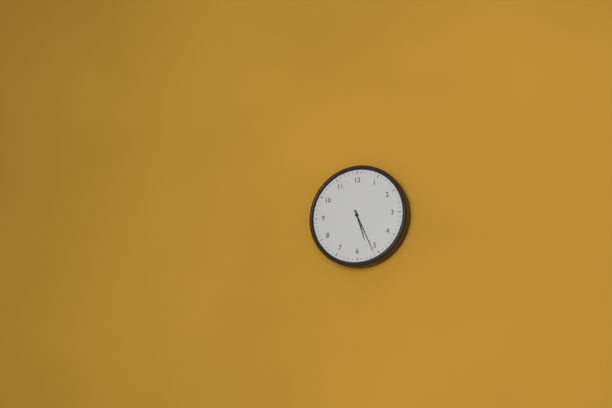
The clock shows h=5 m=26
